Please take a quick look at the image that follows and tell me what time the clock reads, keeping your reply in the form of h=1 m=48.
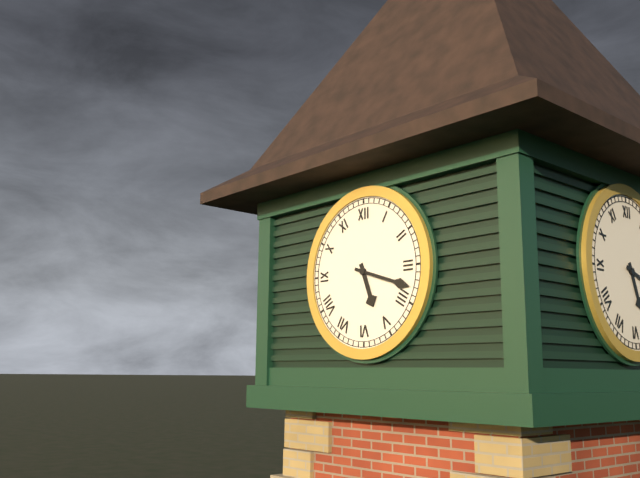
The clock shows h=5 m=18
